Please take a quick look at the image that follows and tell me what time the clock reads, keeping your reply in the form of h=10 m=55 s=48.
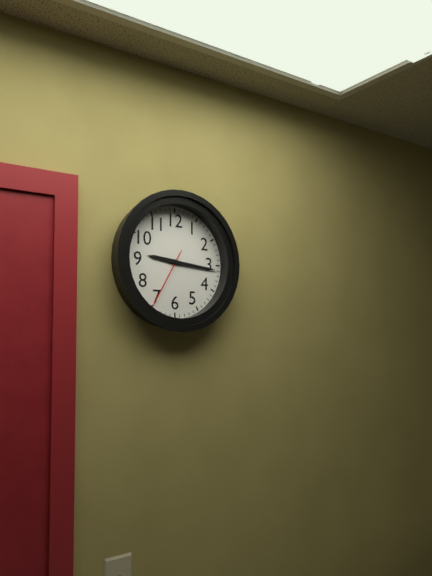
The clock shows h=9 m=16 s=35
